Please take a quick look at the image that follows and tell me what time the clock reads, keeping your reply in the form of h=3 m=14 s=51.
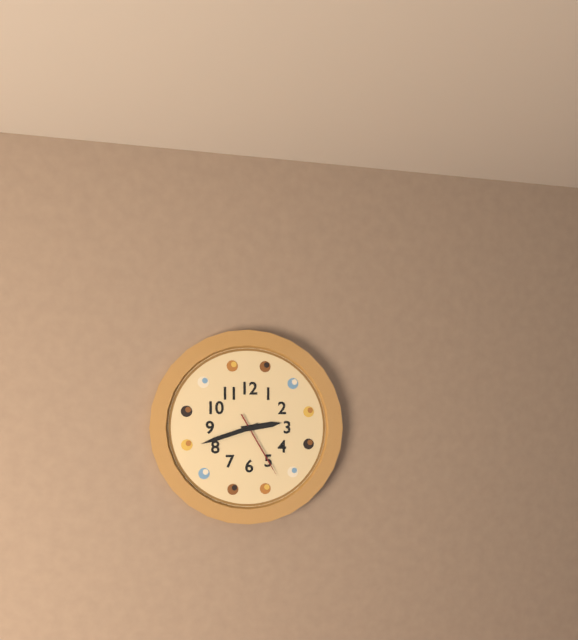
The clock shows h=2 m=42 s=25
